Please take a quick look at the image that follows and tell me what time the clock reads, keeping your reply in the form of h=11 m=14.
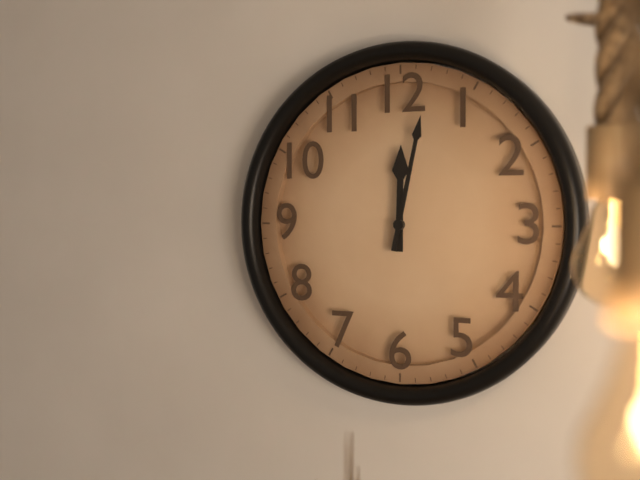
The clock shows h=12 m=2
